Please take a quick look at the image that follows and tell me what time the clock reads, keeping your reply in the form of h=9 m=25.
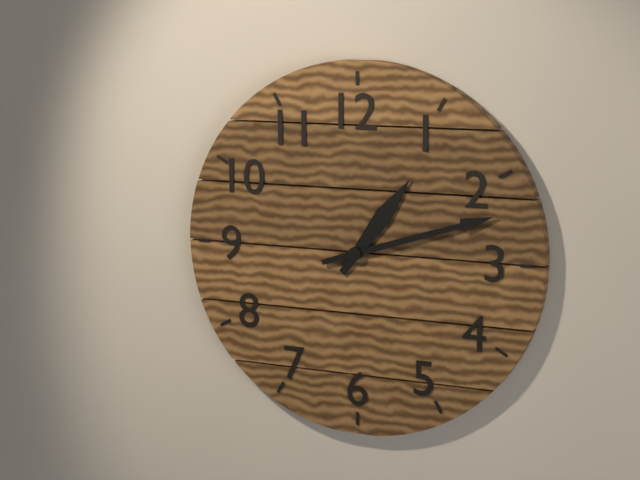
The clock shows h=1 m=12
